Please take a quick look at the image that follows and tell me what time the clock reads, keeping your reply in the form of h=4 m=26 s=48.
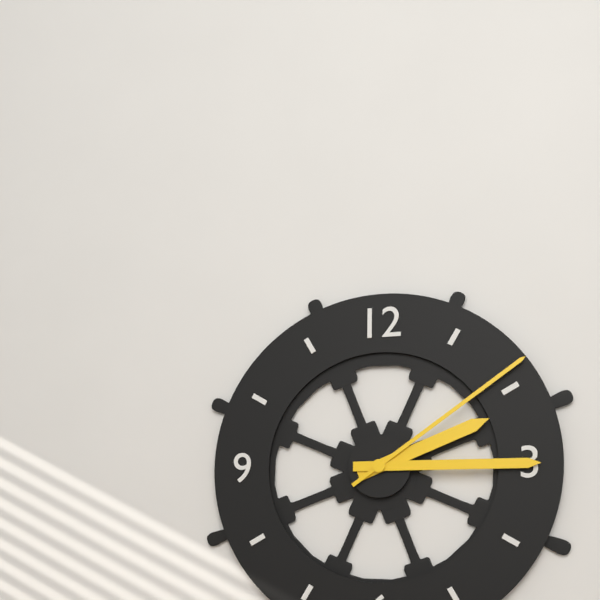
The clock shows h=2 m=15 s=9
